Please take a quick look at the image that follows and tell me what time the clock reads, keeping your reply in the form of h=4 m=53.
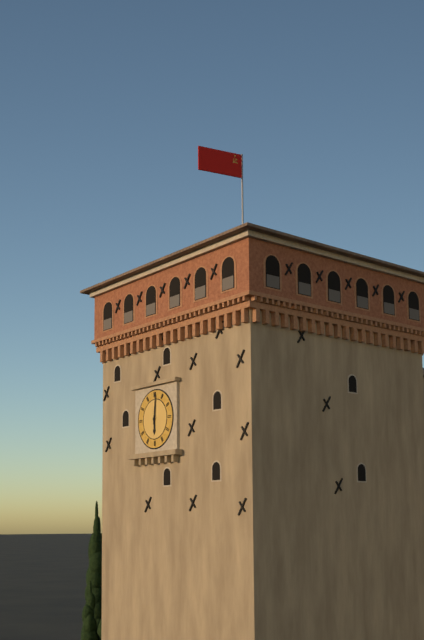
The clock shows h=6 m=1
